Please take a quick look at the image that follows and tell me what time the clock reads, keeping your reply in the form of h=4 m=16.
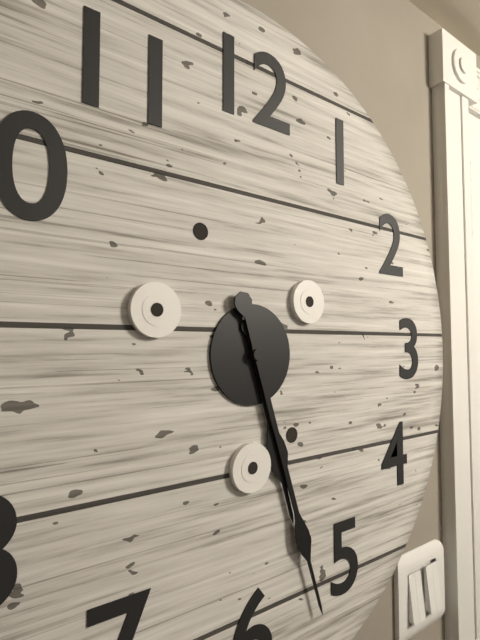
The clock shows h=5 m=27
